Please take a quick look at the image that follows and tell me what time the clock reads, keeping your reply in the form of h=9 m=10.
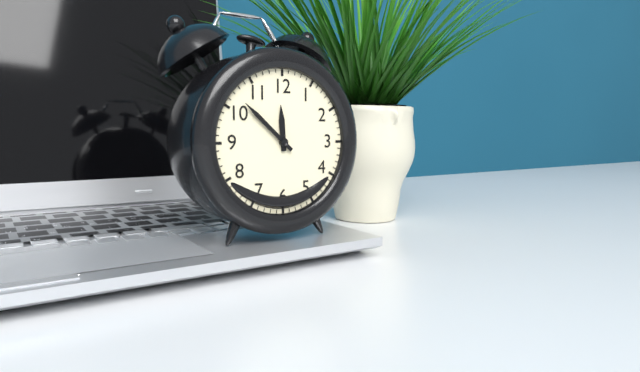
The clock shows h=11 m=52
